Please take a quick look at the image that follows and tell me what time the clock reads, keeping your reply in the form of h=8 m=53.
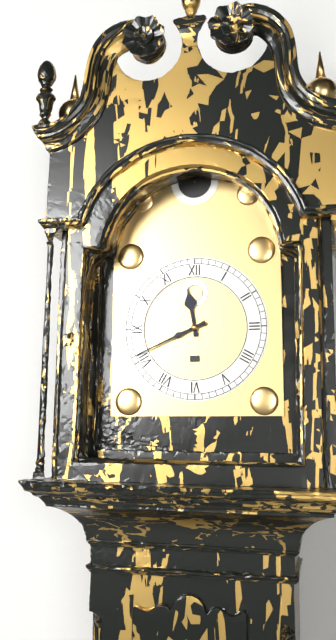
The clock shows h=11 m=41
